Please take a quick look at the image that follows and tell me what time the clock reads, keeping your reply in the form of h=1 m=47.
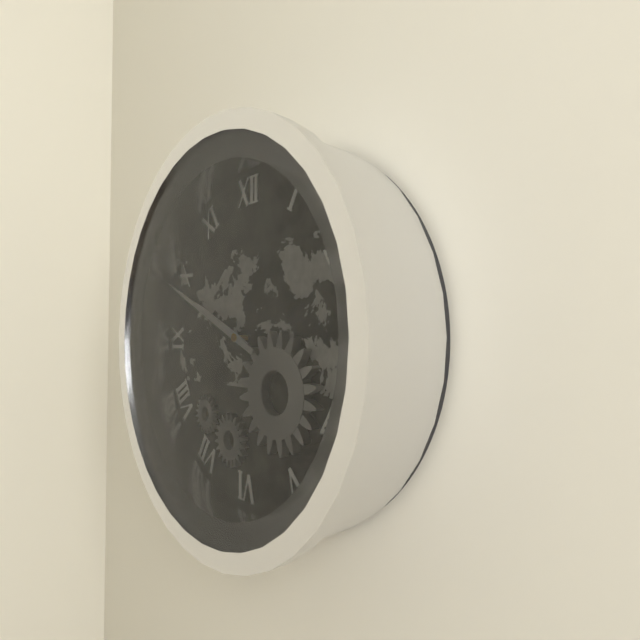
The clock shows h=9 m=49
